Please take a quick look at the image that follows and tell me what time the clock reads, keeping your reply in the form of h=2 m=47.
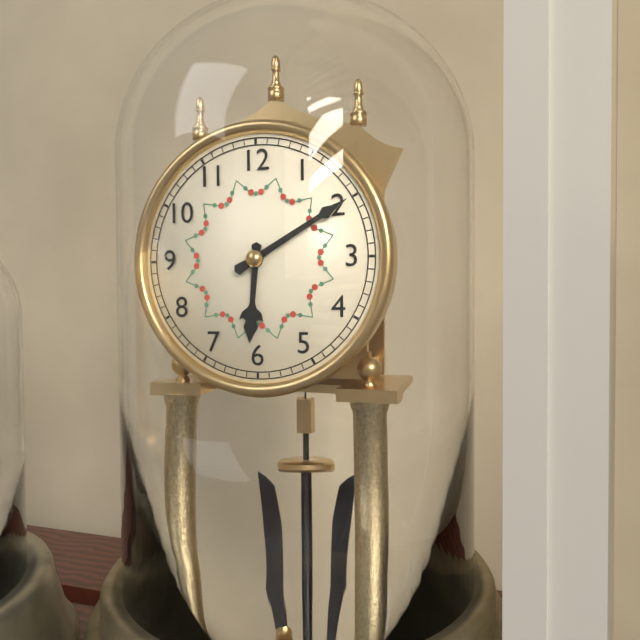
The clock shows h=6 m=10
